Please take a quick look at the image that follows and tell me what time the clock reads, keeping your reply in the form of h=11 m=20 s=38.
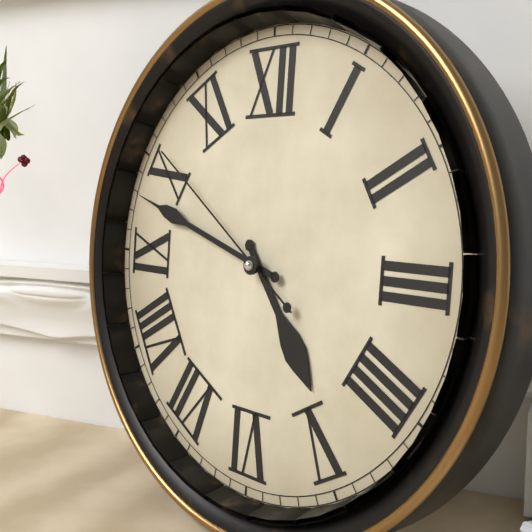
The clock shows h=4 m=48 s=51
